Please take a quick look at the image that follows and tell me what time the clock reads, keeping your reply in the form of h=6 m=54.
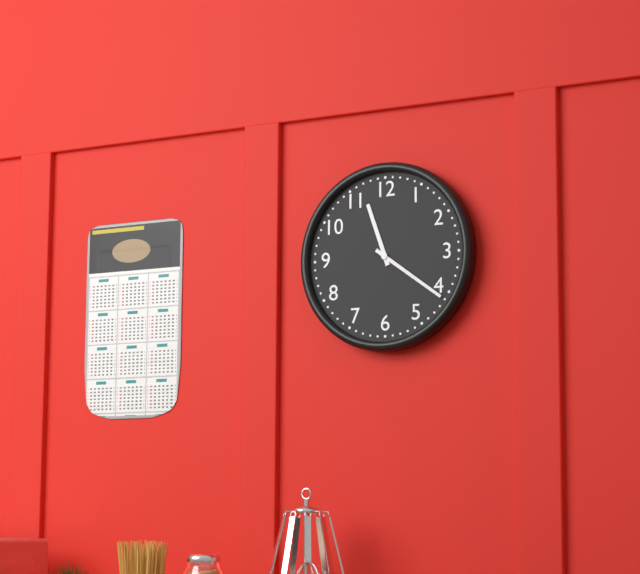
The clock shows h=11 m=21
